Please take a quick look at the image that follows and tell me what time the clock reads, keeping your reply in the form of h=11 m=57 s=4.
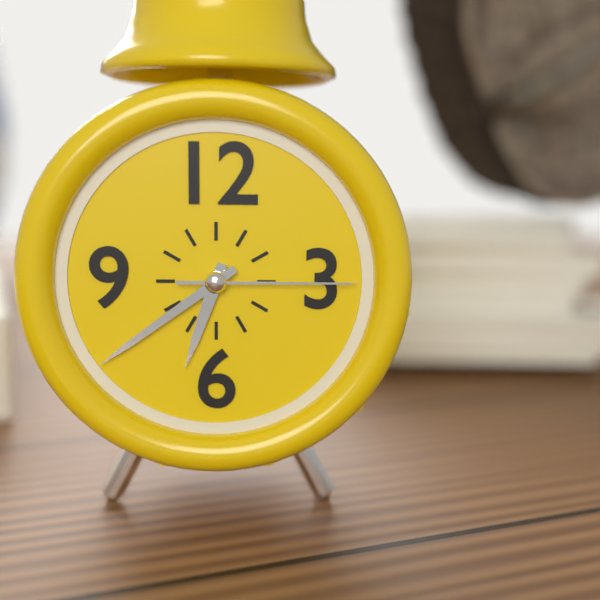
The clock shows h=6 m=39 s=15
